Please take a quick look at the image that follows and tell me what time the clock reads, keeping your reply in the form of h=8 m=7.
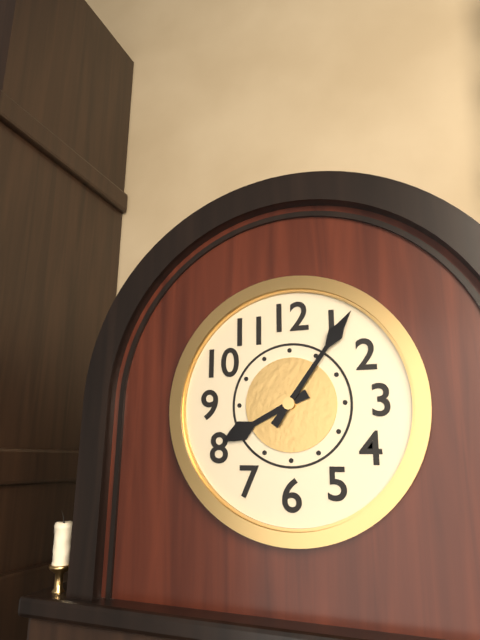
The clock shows h=8 m=6
